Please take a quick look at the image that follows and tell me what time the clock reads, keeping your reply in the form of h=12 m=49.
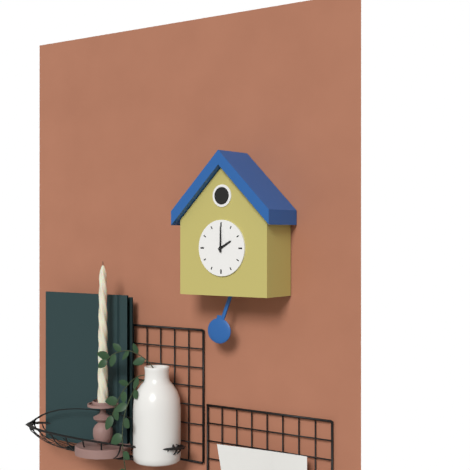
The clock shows h=2 m=0
